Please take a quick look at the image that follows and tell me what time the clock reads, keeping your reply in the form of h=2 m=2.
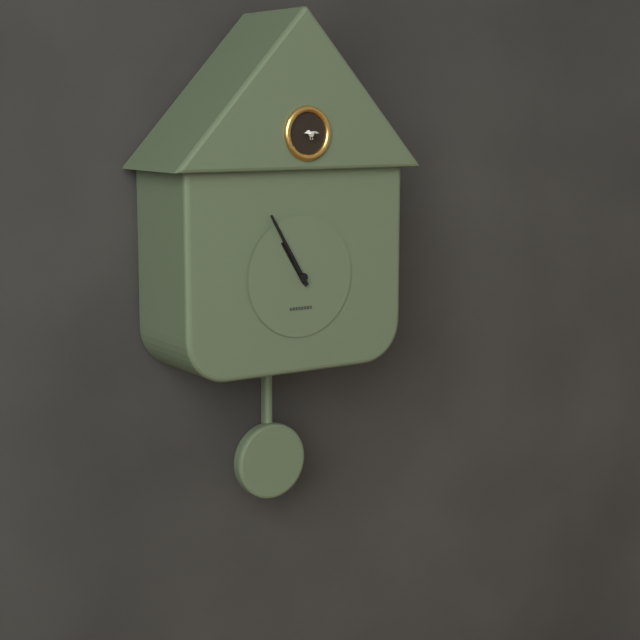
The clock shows h=10 m=55
